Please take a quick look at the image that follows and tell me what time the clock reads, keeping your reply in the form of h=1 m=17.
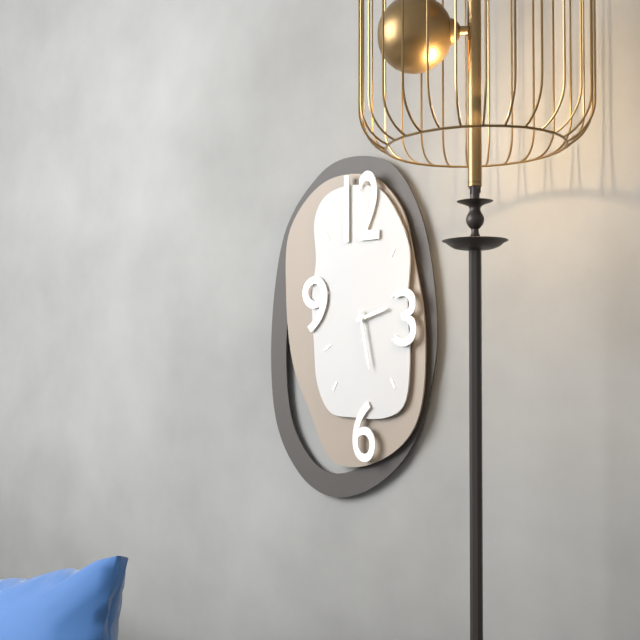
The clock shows h=2 m=28
